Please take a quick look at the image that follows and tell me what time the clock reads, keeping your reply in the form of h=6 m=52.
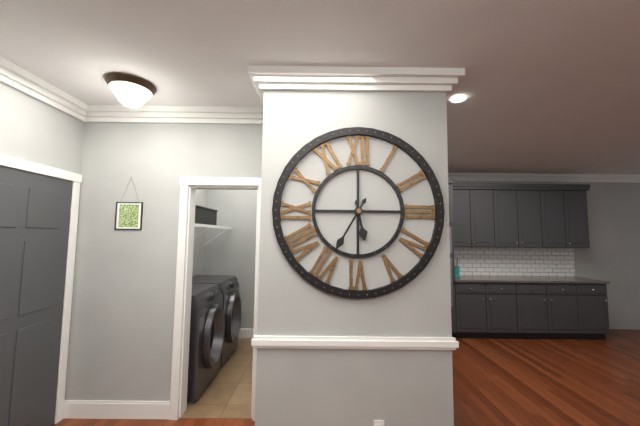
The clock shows h=5 m=35
